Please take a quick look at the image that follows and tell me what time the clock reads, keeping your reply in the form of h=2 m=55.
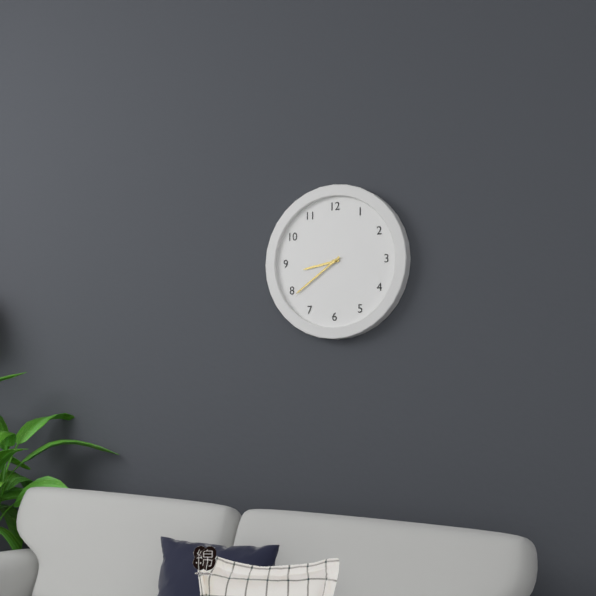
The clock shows h=8 m=39
